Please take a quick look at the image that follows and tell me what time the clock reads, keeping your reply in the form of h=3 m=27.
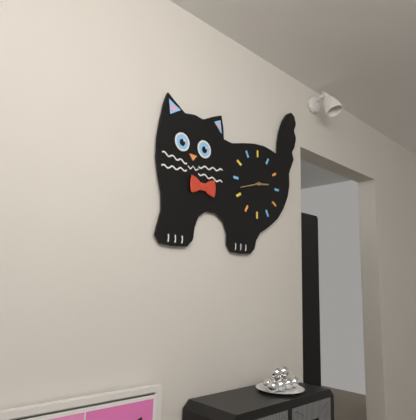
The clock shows h=2 m=42
